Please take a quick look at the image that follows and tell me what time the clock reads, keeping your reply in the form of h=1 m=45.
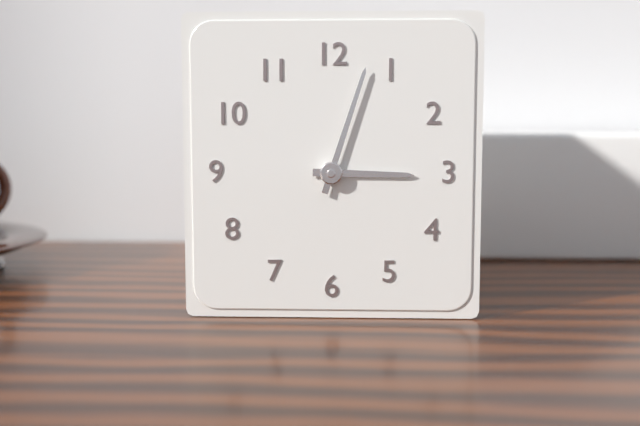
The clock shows h=3 m=3
